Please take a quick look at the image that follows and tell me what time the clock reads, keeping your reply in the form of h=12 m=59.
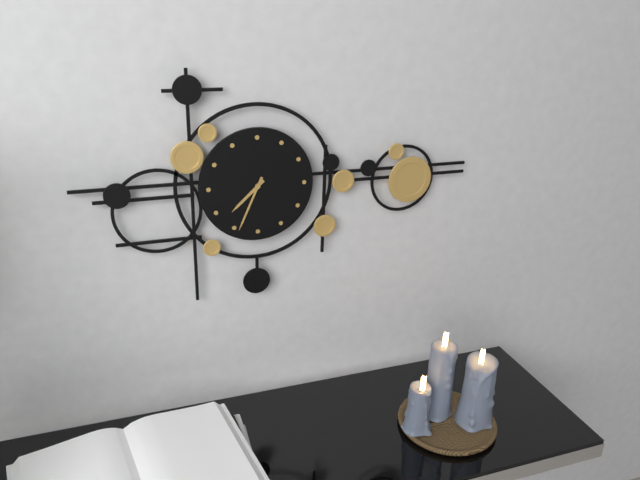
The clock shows h=7 m=34
